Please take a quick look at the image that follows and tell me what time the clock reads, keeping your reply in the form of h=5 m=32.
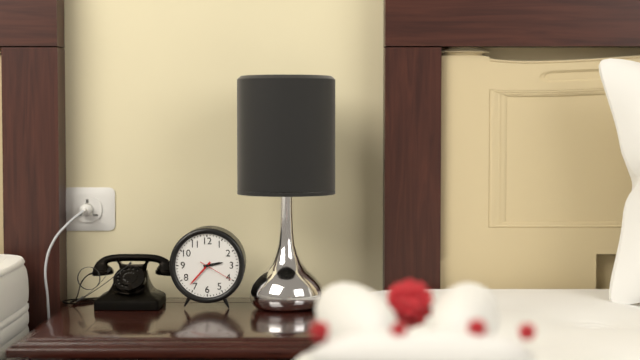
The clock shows h=2 m=37
